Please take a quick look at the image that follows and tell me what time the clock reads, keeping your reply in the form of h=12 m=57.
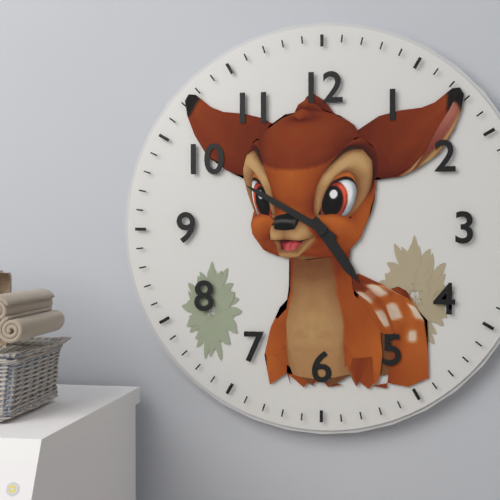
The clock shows h=4 m=50
